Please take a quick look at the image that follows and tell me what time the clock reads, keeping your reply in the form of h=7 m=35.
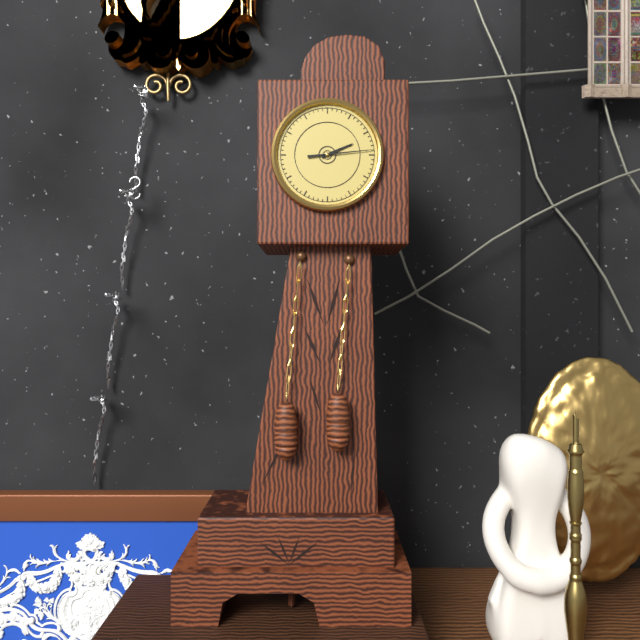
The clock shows h=2 m=14
